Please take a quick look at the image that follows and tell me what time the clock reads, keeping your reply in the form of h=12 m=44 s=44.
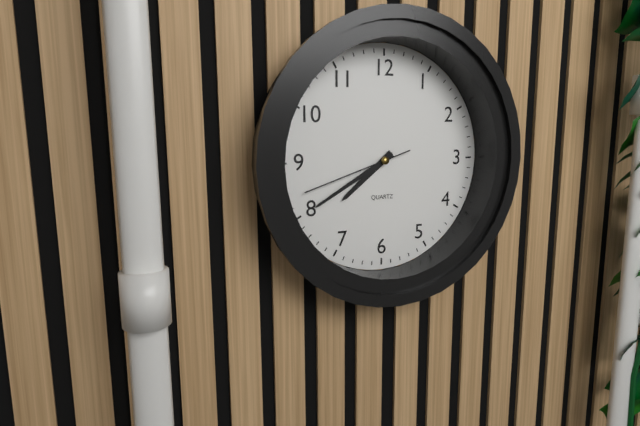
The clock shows h=7 m=40 s=42
